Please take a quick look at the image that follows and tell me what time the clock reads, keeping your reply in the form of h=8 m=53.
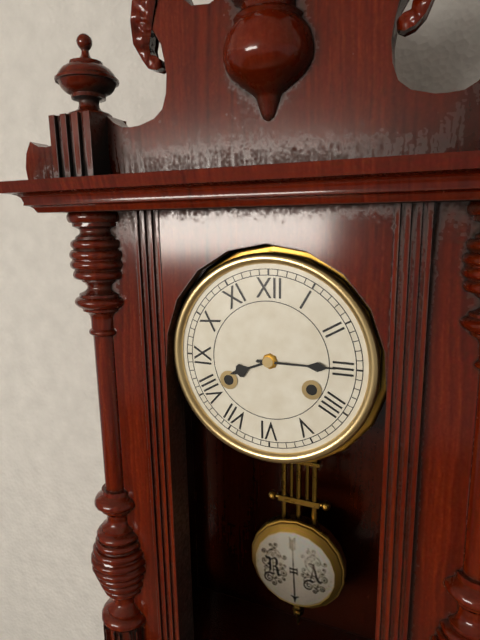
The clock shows h=8 m=15
